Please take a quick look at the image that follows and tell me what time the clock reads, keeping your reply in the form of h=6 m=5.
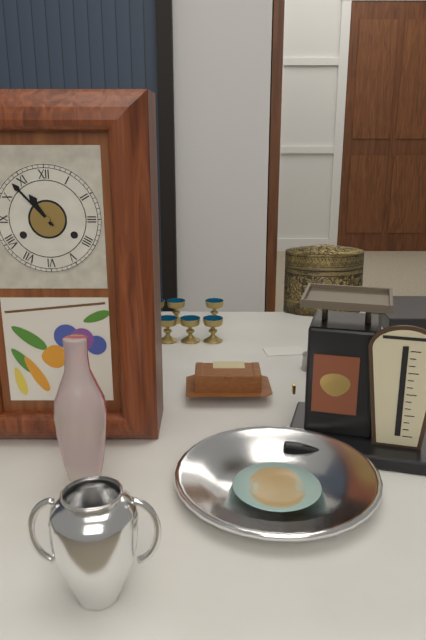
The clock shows h=10 m=53
